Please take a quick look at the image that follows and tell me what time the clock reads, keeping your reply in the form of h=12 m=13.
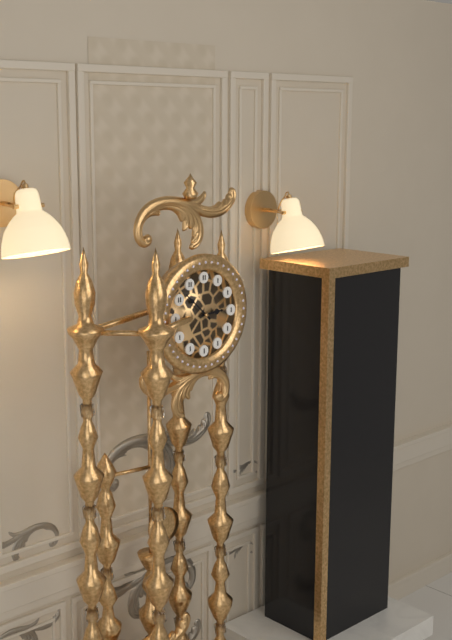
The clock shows h=2 m=52
